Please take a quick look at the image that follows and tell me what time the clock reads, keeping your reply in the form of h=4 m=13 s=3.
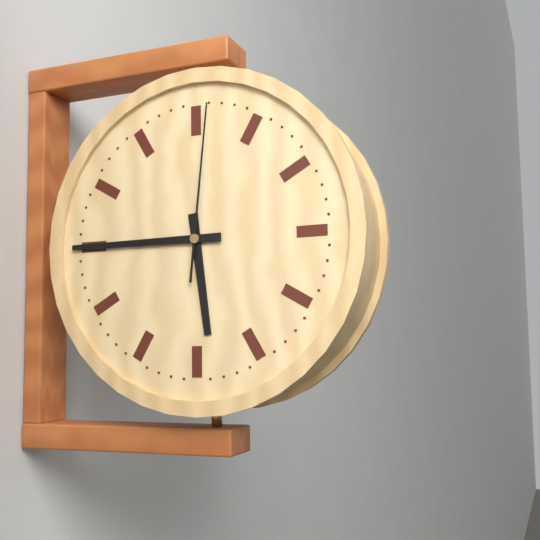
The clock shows h=5 m=45 s=1
